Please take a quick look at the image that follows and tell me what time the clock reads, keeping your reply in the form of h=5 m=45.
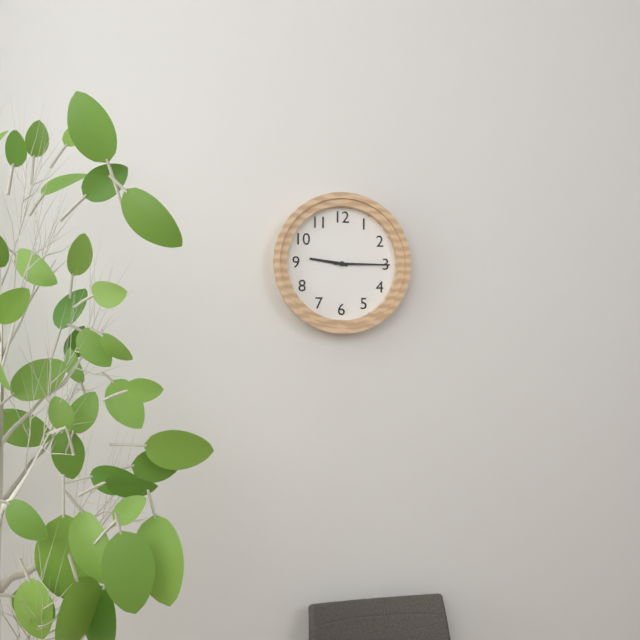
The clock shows h=9 m=15
